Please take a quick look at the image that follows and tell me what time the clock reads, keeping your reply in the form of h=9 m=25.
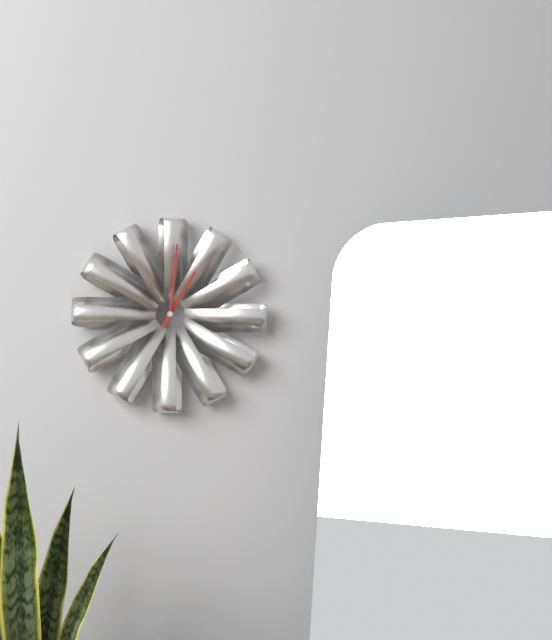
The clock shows h=1 m=1
